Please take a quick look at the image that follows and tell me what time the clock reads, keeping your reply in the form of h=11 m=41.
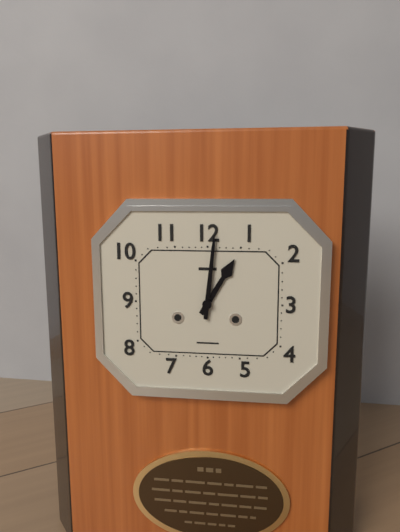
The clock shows h=1 m=1
